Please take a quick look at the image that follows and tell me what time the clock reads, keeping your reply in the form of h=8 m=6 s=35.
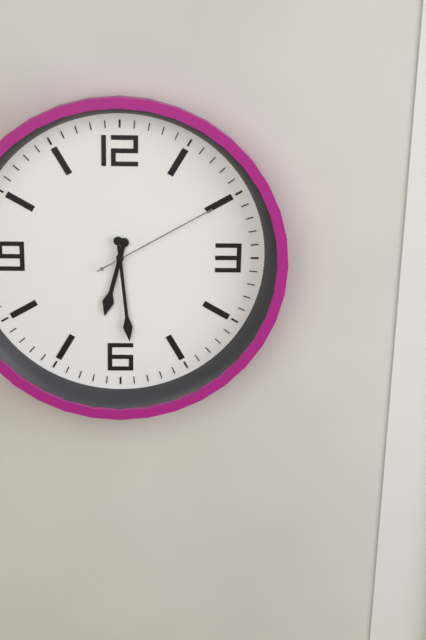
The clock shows h=6 m=29 s=10
